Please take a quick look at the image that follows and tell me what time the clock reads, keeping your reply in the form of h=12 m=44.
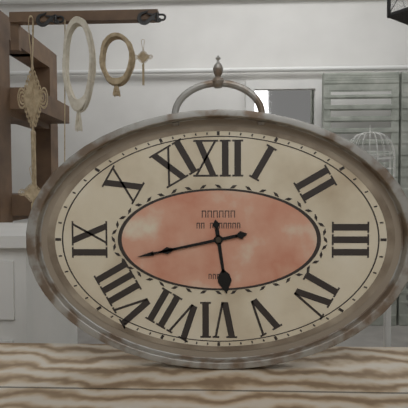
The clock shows h=5 m=43
